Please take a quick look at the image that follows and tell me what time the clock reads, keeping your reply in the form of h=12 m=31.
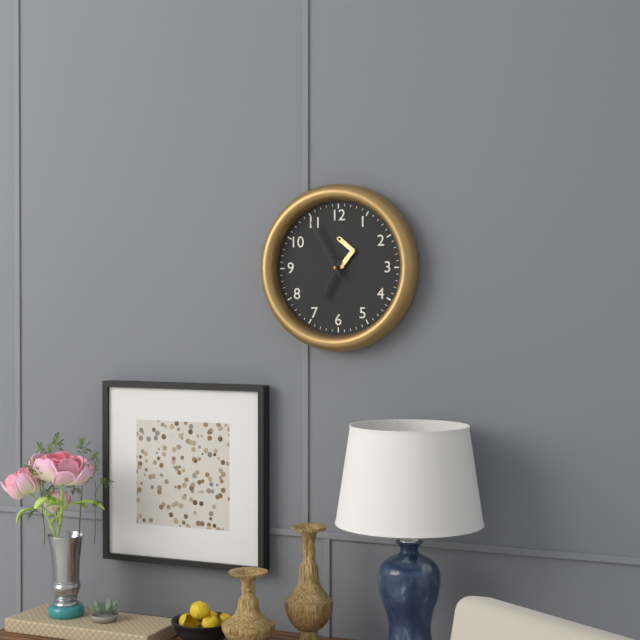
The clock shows h=6 m=55
